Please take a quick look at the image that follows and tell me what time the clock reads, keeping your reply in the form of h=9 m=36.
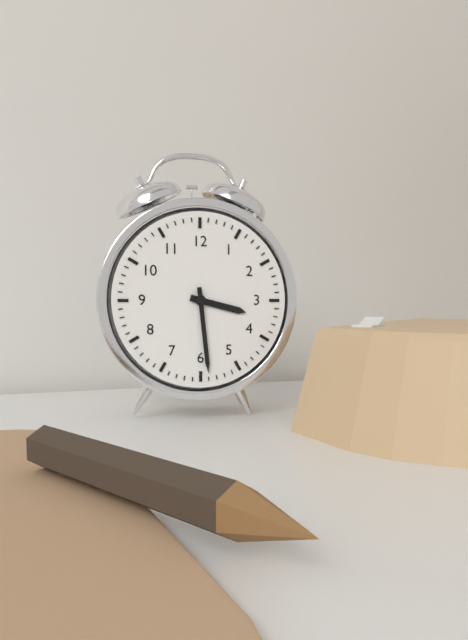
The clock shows h=3 m=29
